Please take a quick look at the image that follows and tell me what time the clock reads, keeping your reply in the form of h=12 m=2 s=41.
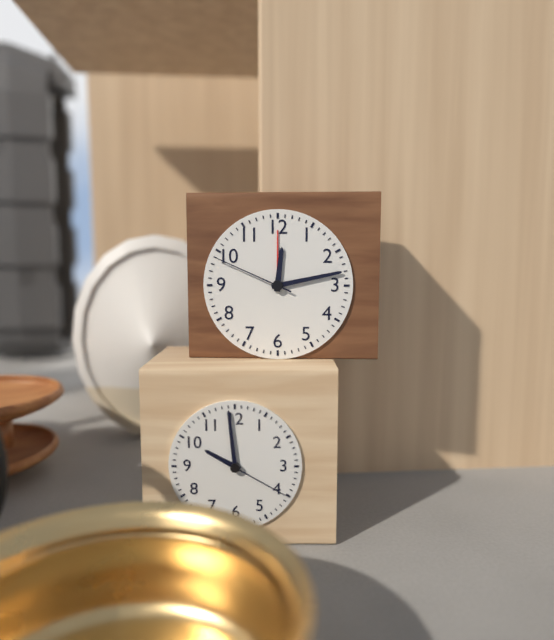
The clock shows h=12 m=13 s=49
